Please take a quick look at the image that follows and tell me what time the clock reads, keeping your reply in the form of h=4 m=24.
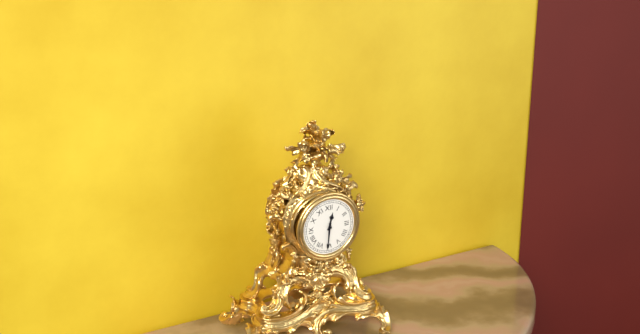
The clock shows h=12 m=31
